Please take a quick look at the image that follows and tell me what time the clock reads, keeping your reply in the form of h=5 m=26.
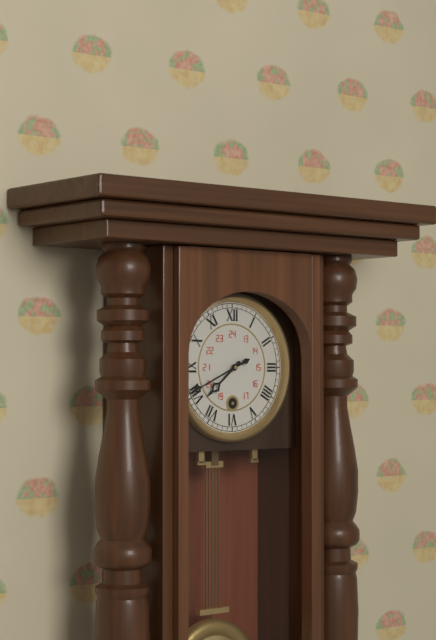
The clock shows h=7 m=41
